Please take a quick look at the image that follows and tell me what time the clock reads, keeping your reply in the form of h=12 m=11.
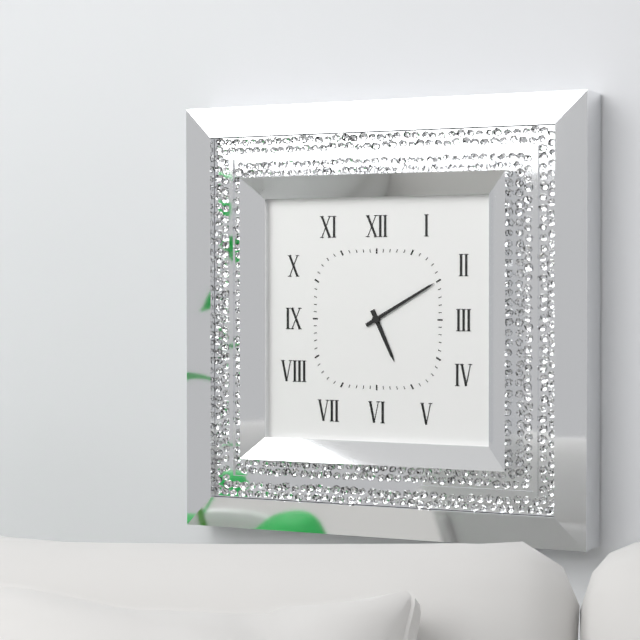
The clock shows h=5 m=10
